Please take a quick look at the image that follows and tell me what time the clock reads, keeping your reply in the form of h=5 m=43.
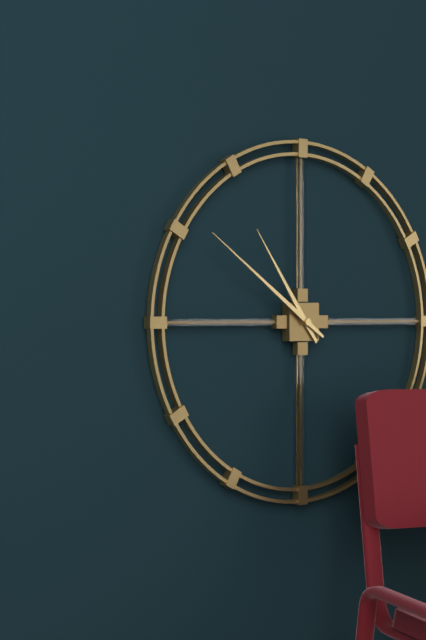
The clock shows h=10 m=51
